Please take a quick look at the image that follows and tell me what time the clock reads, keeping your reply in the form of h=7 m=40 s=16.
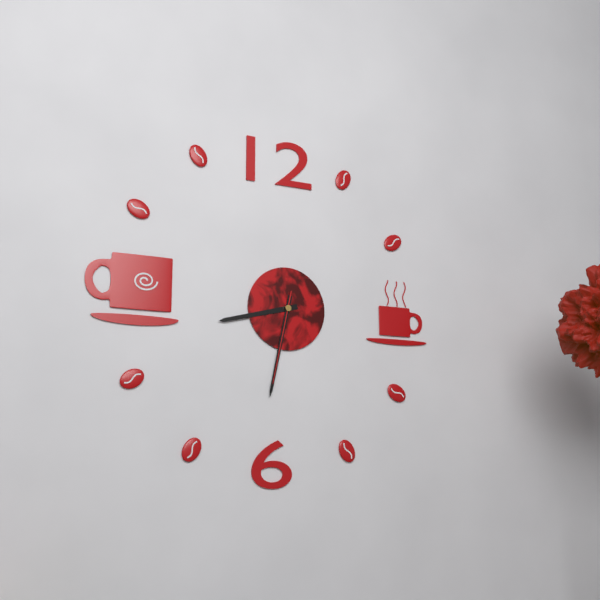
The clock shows h=8 m=32 s=32
